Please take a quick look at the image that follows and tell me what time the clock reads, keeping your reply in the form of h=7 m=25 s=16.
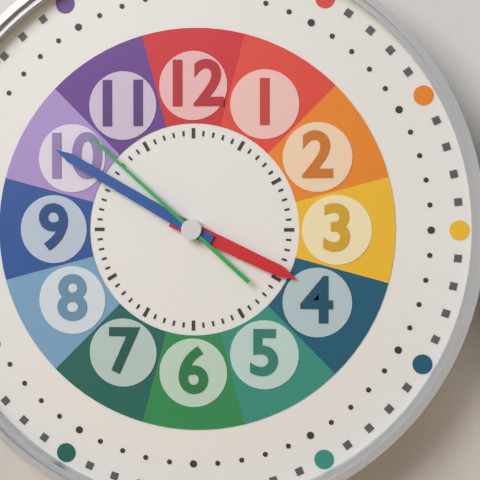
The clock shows h=3 m=50 s=52
